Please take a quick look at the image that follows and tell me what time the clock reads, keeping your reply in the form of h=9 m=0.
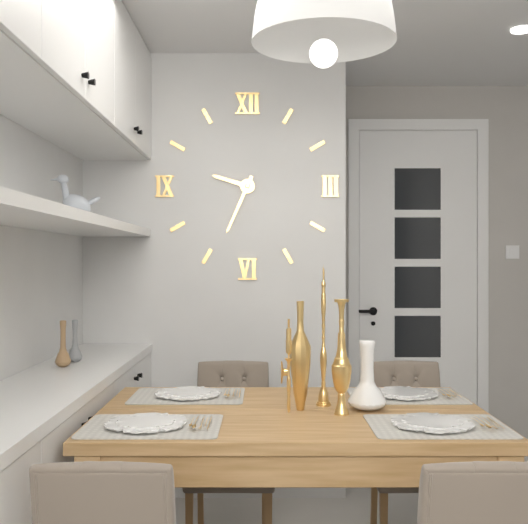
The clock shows h=9 m=34
